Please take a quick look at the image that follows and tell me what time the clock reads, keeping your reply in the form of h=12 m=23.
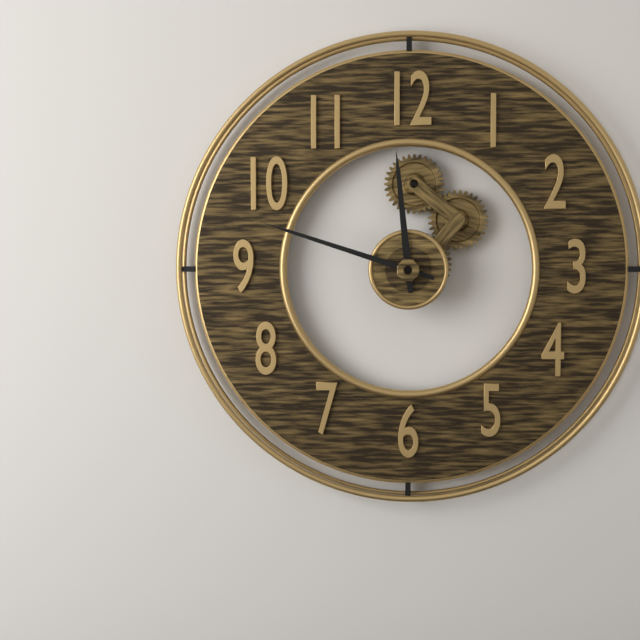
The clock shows h=11 m=48
